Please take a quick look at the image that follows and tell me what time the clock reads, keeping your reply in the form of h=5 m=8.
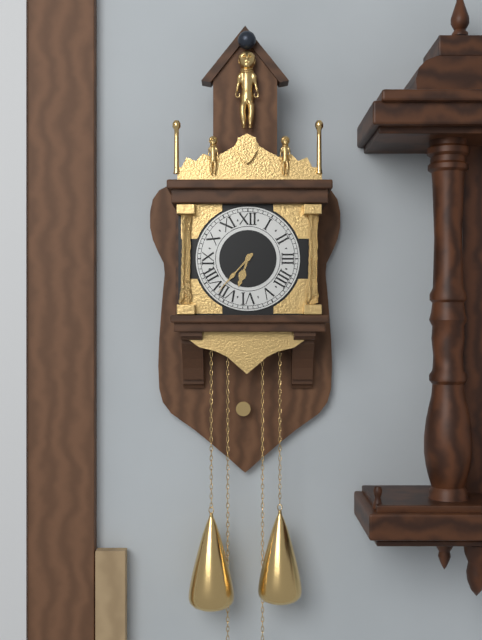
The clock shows h=6 m=37
